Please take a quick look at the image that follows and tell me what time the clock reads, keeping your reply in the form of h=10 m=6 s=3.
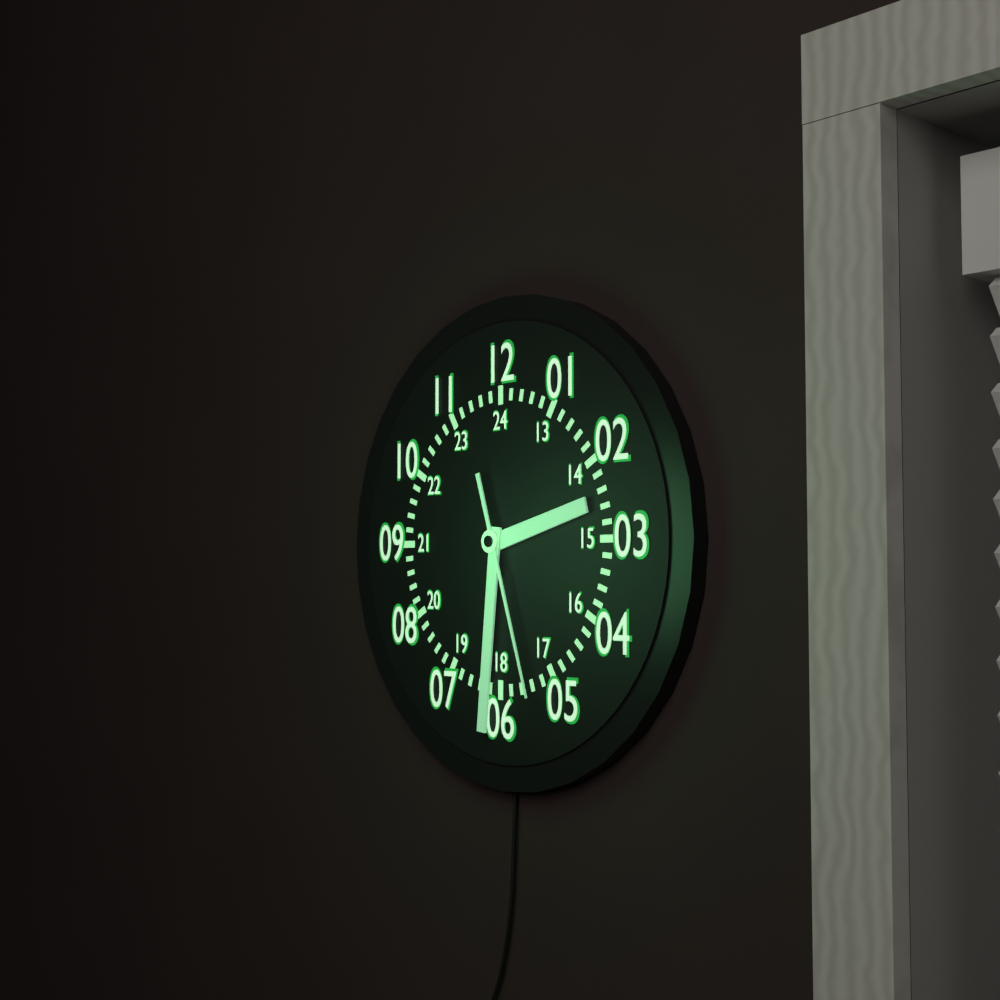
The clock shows h=2 m=31 s=27
